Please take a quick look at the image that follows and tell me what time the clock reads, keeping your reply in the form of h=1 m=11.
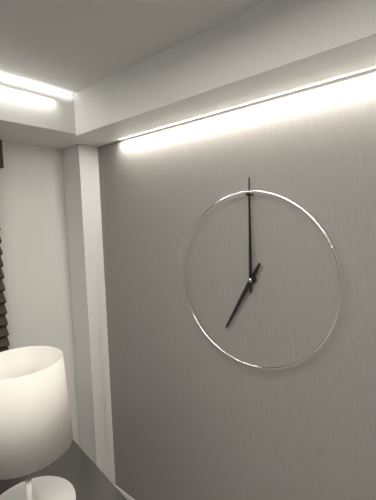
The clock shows h=7 m=0
